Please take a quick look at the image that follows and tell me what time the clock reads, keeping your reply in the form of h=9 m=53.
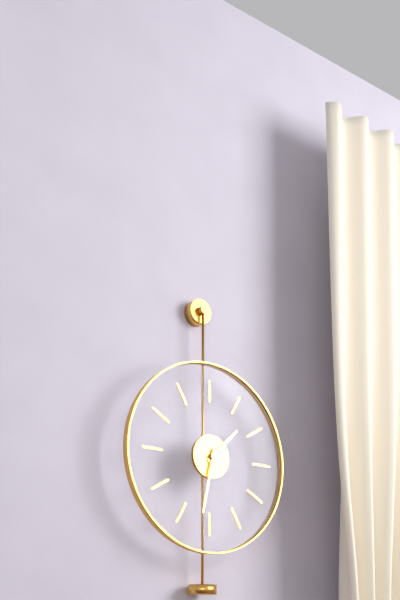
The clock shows h=1 m=32
